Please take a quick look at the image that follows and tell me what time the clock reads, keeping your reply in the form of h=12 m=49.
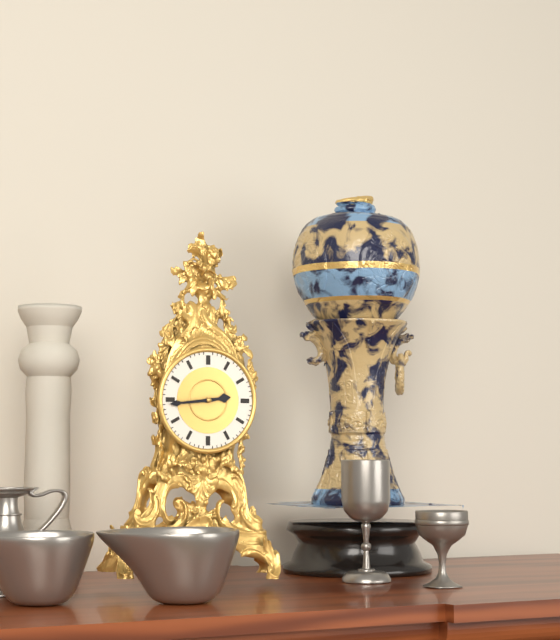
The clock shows h=2 m=44
